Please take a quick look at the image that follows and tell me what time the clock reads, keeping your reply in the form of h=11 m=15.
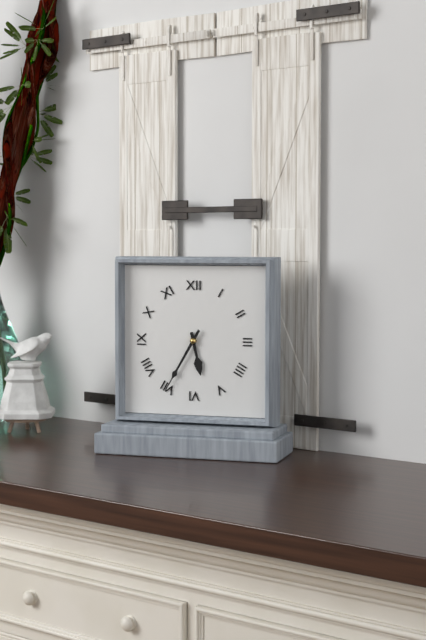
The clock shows h=5 m=35
